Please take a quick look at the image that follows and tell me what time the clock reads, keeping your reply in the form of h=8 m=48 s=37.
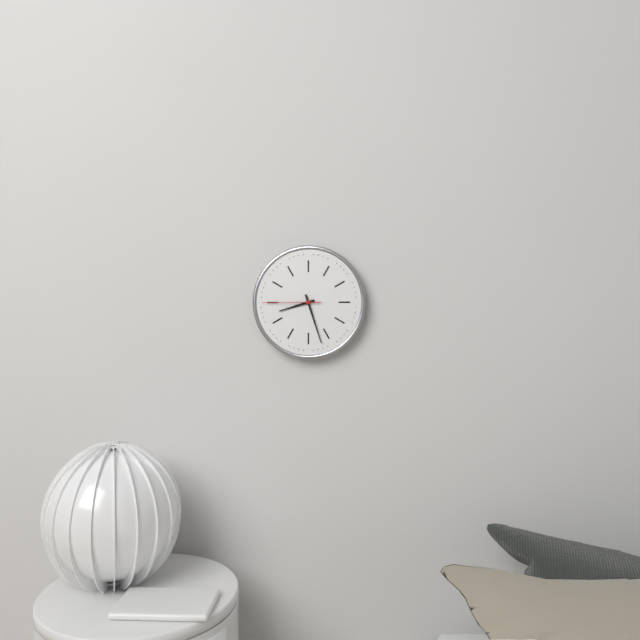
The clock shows h=8 m=27 s=45
